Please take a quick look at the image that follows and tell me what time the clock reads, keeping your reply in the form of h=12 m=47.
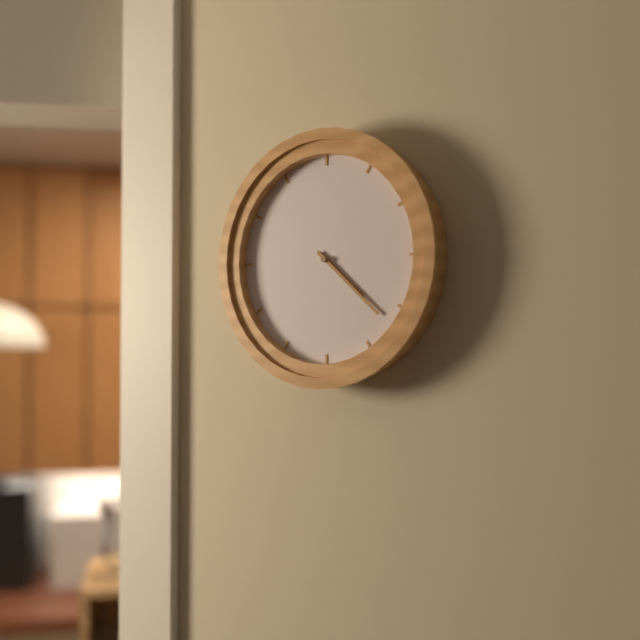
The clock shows h=4 m=22
